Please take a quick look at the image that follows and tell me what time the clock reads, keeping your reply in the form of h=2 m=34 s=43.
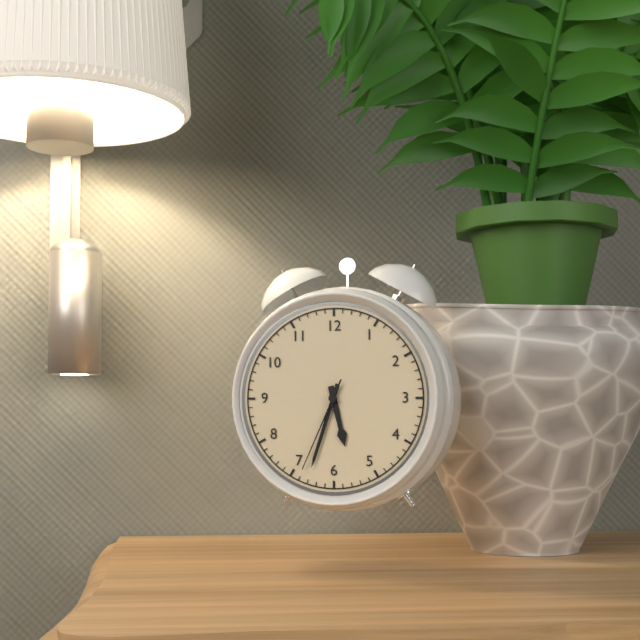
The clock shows h=5 m=33 s=34
